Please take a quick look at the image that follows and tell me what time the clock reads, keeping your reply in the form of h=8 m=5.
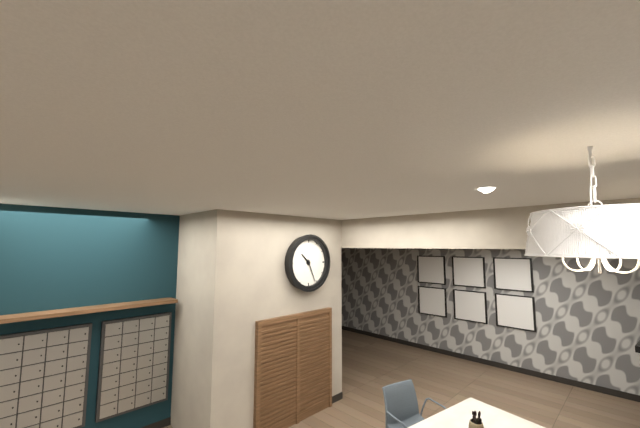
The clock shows h=10 m=26
